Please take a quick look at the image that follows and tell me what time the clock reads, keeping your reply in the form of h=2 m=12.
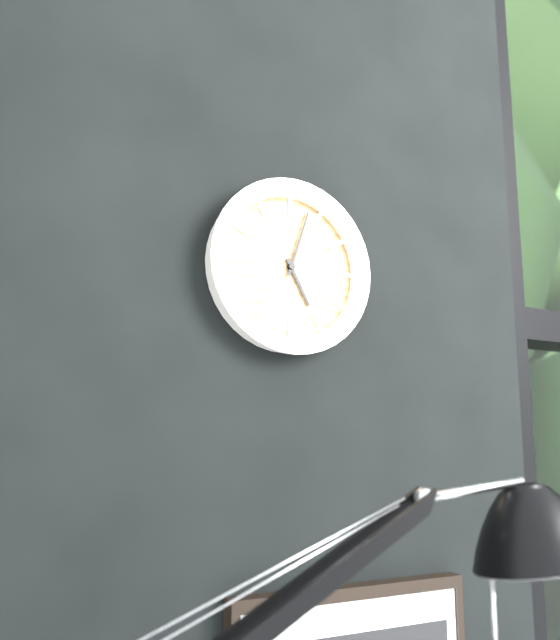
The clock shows h=5 m=3
